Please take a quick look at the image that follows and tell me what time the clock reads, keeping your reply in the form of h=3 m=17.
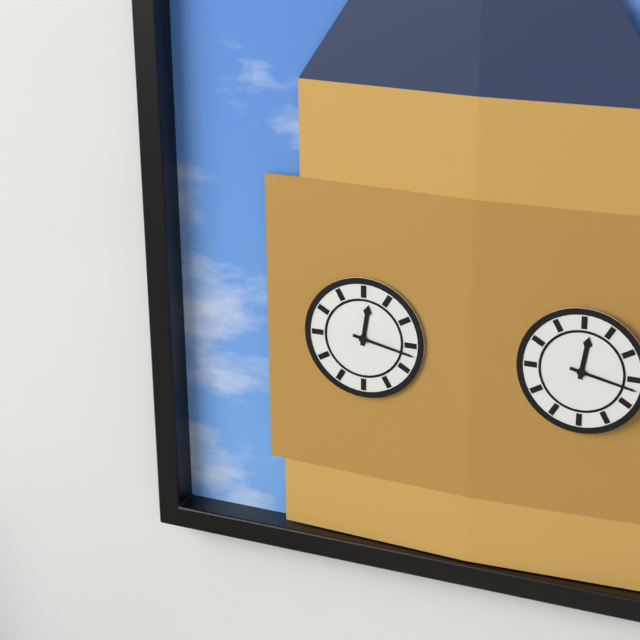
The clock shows h=12 m=17
